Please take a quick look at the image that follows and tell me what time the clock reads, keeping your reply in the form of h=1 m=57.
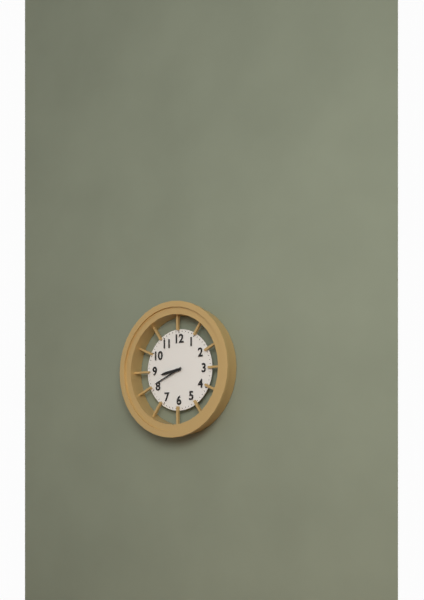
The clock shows h=8 m=41
